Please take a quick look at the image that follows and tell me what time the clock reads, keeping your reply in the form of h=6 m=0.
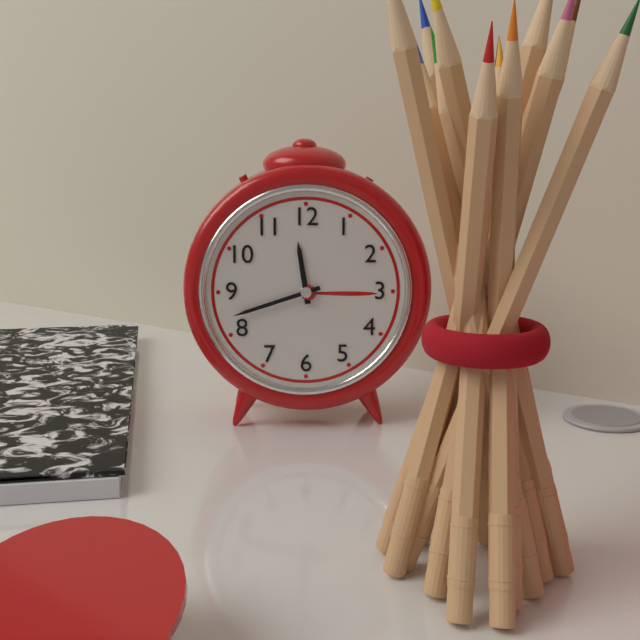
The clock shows h=11 m=42
